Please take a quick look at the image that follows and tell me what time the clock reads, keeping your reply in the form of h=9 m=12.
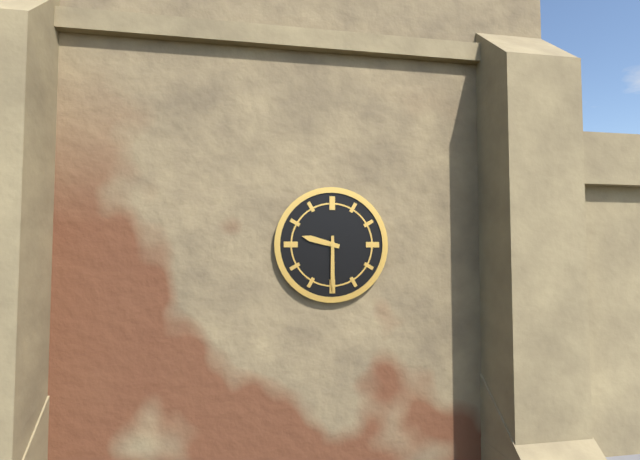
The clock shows h=9 m=30
